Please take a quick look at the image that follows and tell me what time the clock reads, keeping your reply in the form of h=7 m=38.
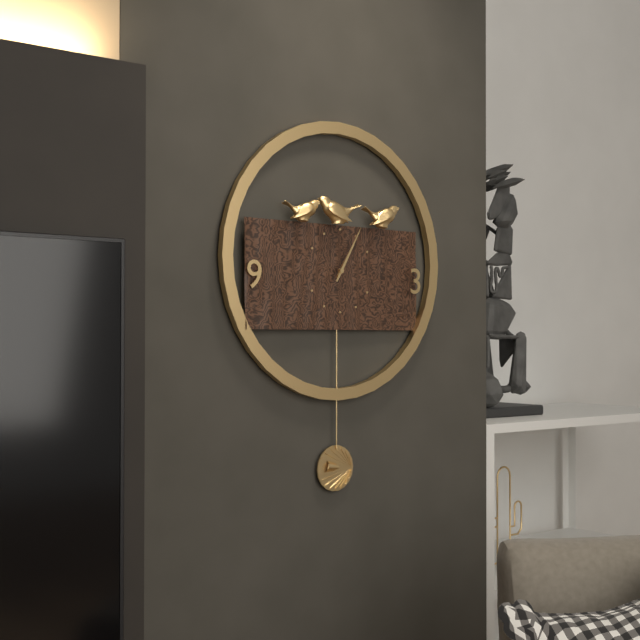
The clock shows h=1 m=5
